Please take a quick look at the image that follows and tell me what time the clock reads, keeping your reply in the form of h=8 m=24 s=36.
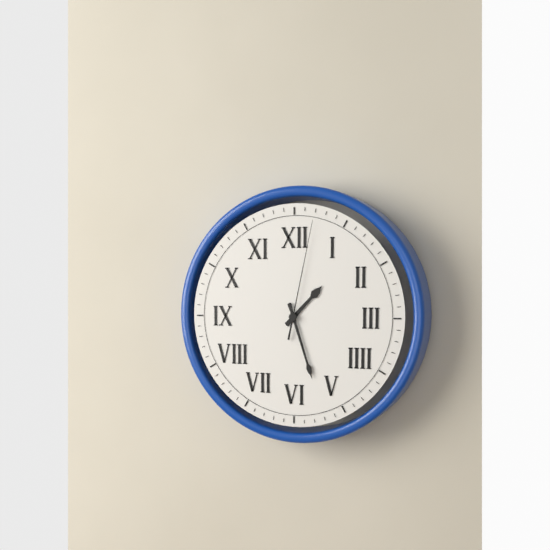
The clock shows h=1 m=27 s=2
